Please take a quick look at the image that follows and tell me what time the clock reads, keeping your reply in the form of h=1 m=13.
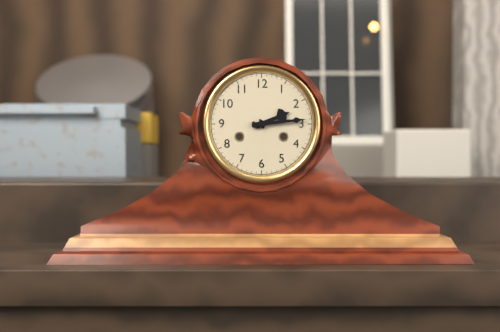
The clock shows h=2 m=14
